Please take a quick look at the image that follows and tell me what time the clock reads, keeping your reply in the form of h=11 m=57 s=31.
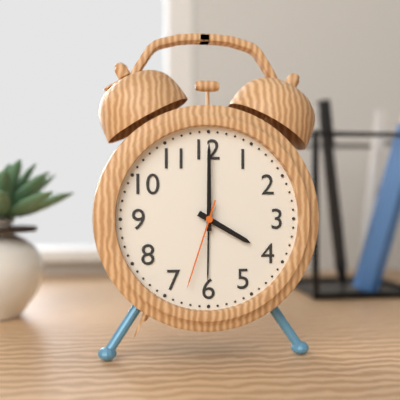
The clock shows h=4 m=0 s=33
